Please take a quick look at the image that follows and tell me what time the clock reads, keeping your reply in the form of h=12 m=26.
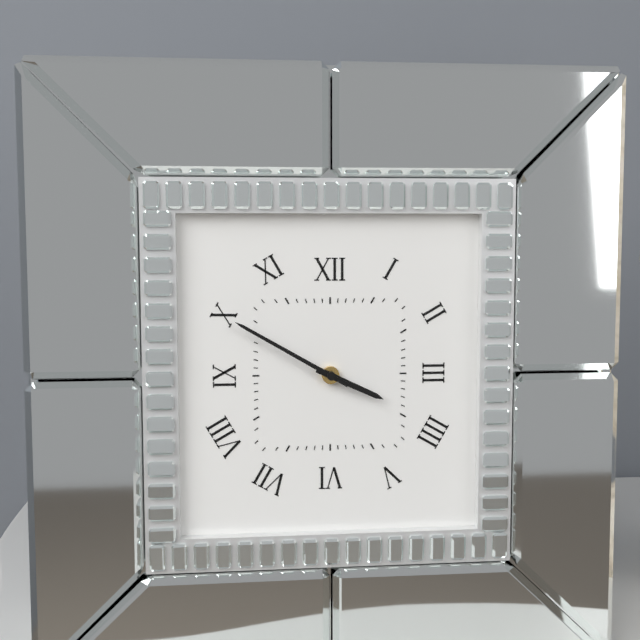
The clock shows h=3 m=50
